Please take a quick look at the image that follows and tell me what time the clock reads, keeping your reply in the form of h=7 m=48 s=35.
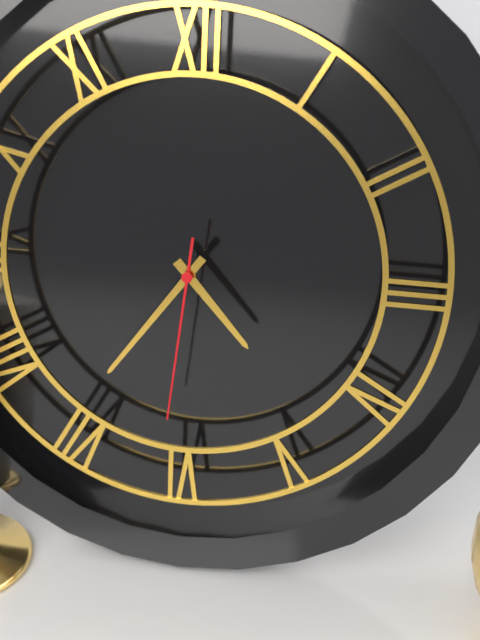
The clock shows h=4 m=36 s=31
